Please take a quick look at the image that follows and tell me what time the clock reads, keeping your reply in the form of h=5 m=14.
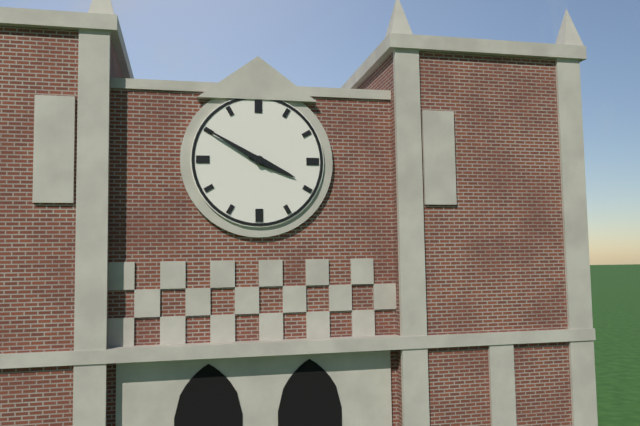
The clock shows h=3 m=50
